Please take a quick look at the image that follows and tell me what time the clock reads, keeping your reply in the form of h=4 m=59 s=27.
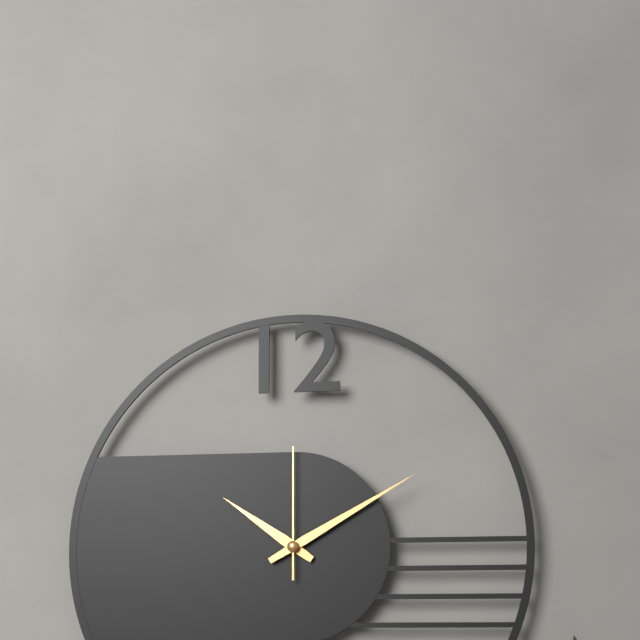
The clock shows h=10 m=10 s=0
